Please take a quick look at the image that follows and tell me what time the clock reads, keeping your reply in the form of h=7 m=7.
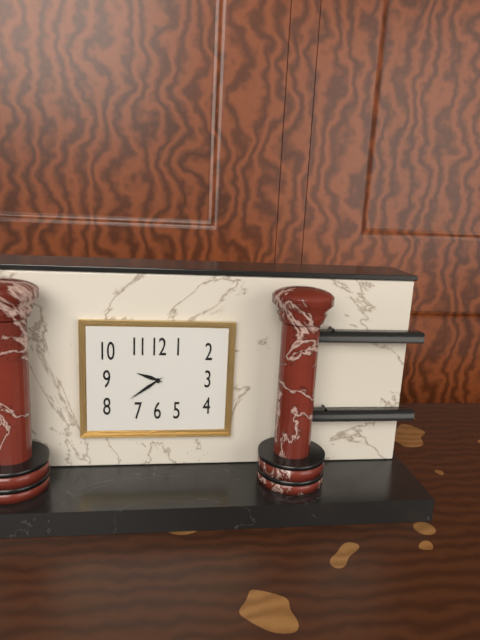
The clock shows h=9 m=39
